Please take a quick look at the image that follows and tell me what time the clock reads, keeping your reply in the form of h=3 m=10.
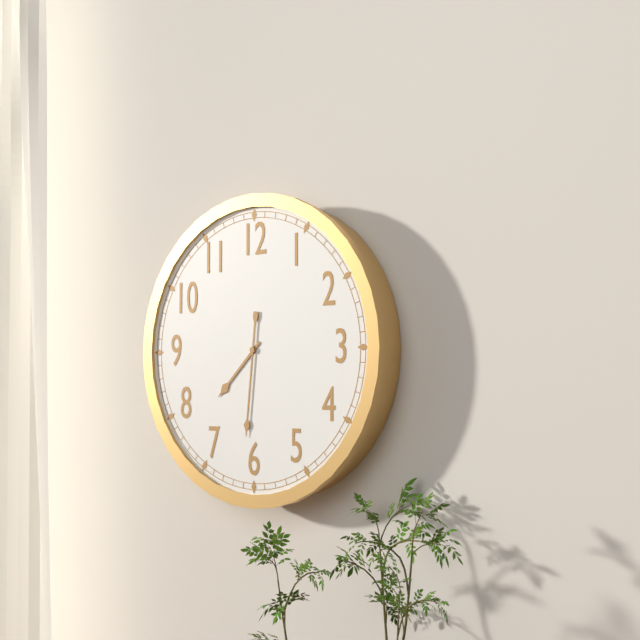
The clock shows h=7 m=31
